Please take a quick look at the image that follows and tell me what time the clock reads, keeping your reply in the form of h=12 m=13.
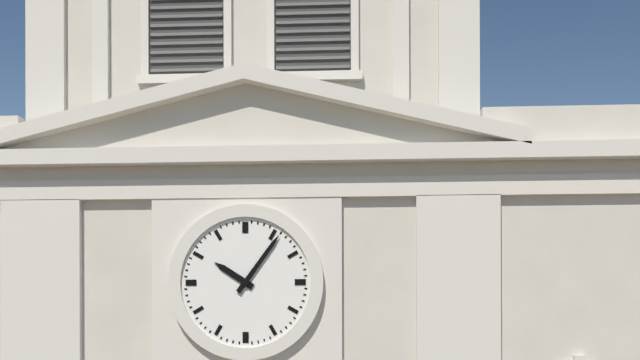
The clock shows h=10 m=6
